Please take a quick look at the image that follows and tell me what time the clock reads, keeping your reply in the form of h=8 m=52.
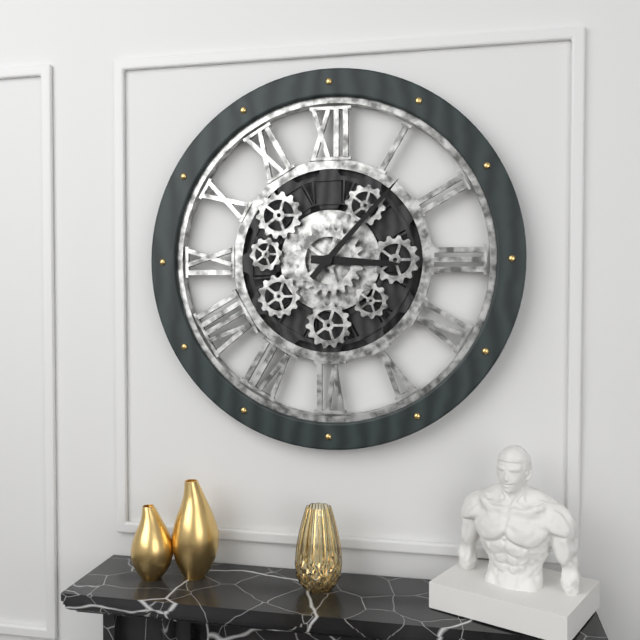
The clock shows h=3 m=7
